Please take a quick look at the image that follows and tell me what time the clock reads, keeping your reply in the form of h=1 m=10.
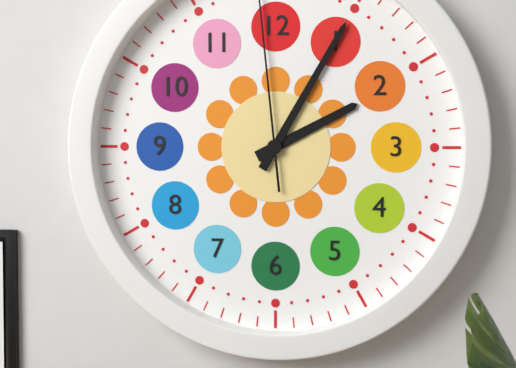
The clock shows h=2 m=5
